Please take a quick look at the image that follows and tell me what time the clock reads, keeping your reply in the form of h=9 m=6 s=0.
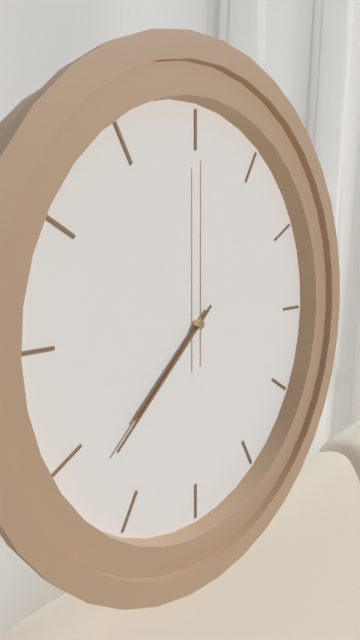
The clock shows h=7 m=38 s=0
